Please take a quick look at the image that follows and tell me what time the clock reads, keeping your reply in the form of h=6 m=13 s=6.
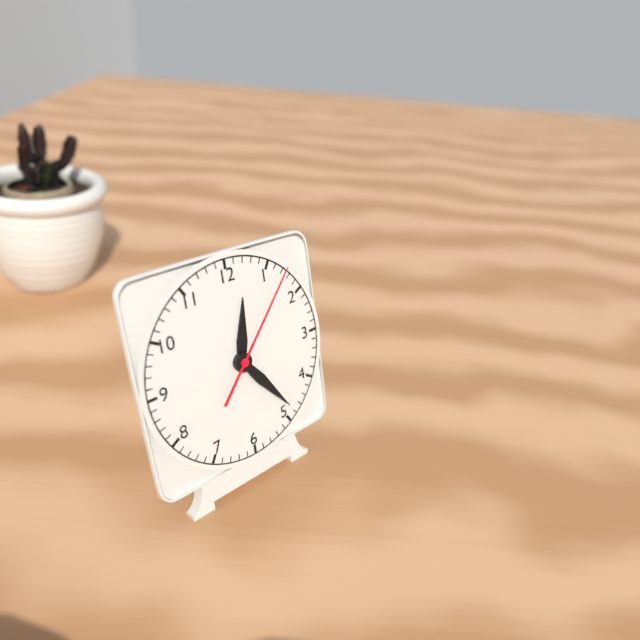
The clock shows h=12 m=24 s=7
